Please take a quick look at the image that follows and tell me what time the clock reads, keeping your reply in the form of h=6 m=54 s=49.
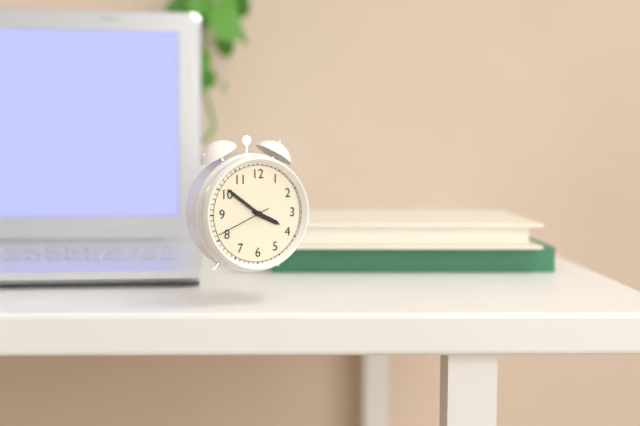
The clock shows h=3 m=51 s=41
